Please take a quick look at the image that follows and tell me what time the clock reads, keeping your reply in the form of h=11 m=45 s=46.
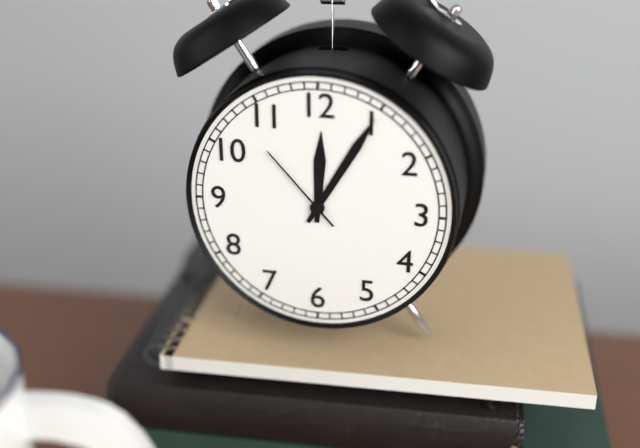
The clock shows h=12 m=5 s=53
